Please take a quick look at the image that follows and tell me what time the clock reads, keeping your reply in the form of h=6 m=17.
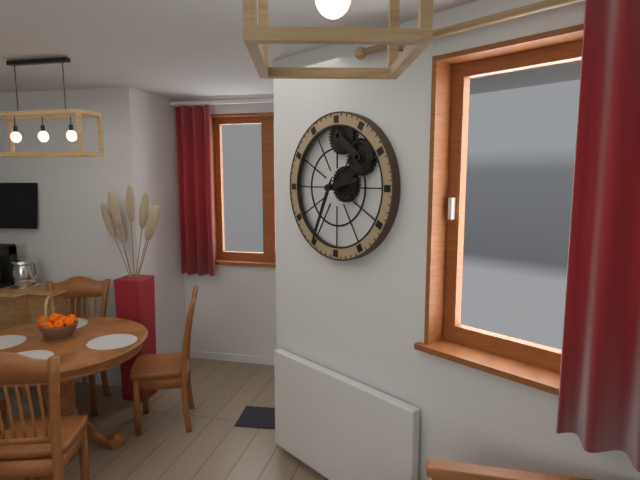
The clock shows h=2 m=34
